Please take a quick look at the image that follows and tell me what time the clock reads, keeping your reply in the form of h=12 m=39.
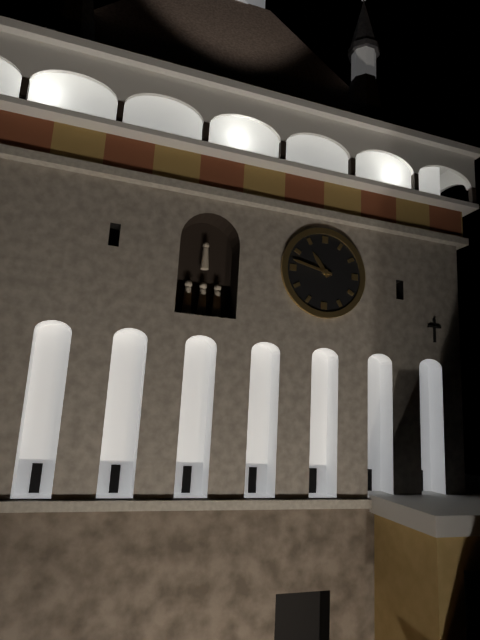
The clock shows h=10 m=47
